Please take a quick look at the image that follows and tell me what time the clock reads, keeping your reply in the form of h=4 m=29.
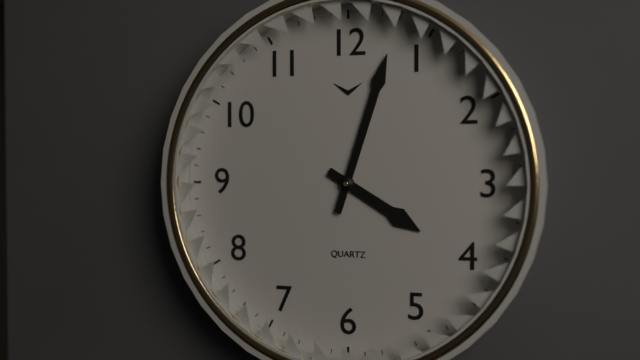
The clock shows h=4 m=3
